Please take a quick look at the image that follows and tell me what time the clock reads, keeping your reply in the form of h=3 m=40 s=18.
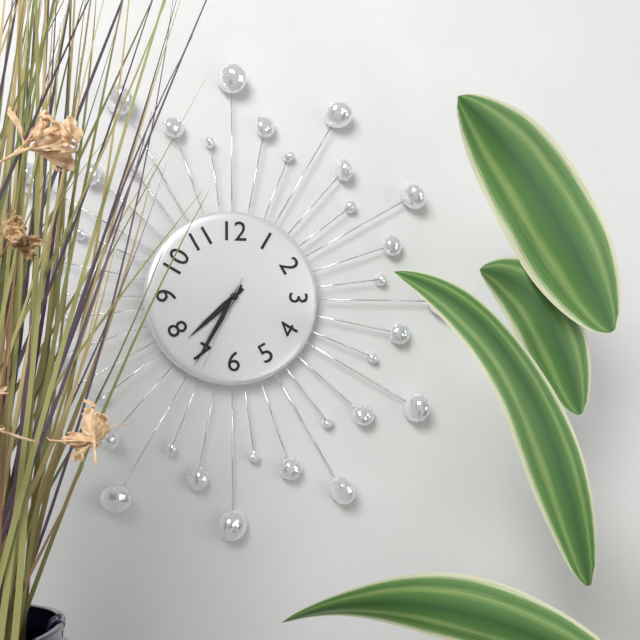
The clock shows h=7 m=35 s=34
